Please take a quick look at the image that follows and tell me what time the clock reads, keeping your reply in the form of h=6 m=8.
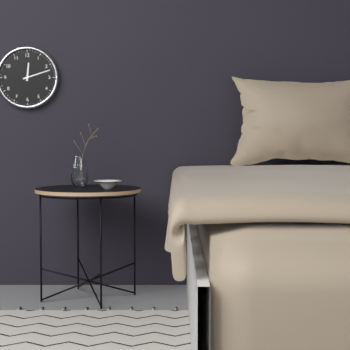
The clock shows h=12 m=12
